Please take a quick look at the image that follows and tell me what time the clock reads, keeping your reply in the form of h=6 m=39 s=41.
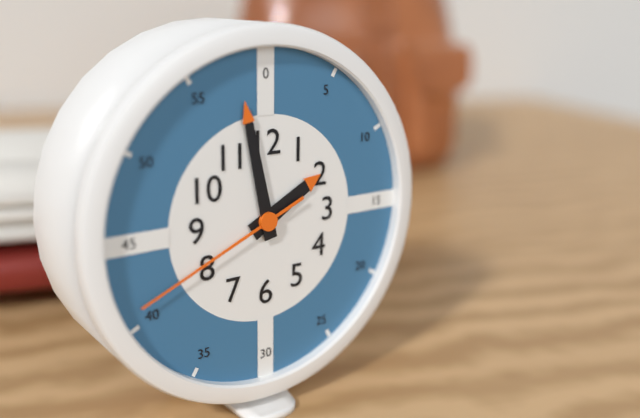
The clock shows h=1 m=58 s=41
